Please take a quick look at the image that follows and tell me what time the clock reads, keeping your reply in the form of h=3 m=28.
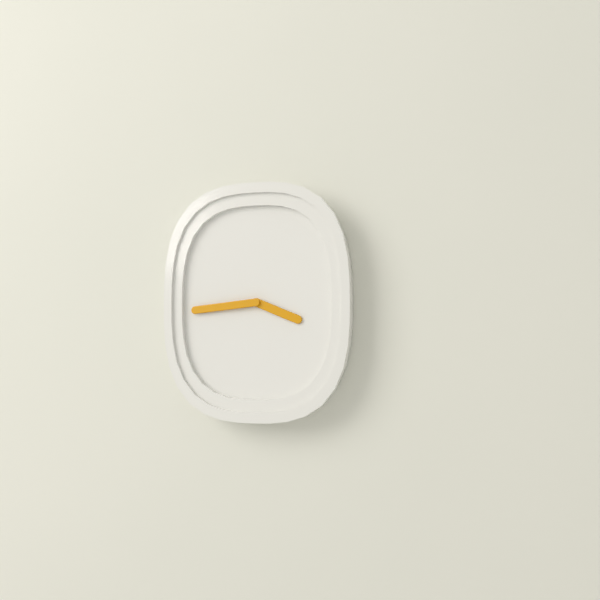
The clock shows h=3 m=44
